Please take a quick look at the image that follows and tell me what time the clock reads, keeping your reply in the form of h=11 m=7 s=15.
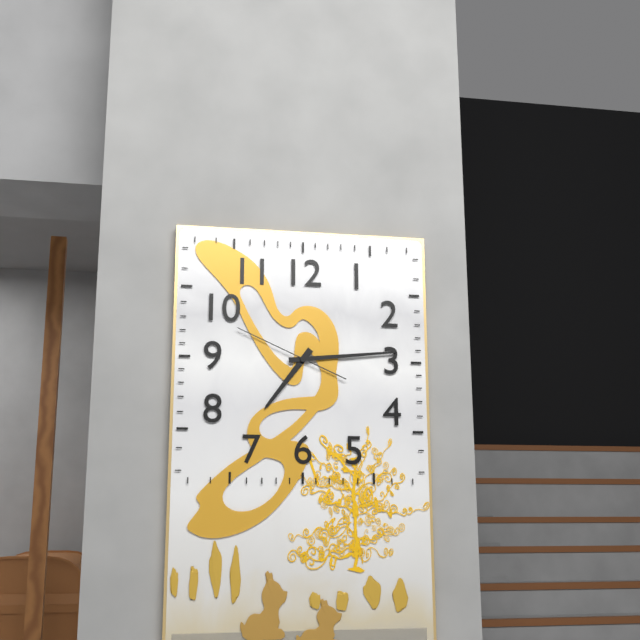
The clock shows h=7 m=14 s=49
